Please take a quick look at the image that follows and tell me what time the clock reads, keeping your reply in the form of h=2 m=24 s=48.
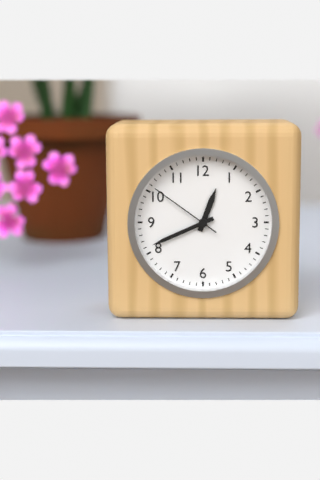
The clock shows h=12 m=41 s=51
